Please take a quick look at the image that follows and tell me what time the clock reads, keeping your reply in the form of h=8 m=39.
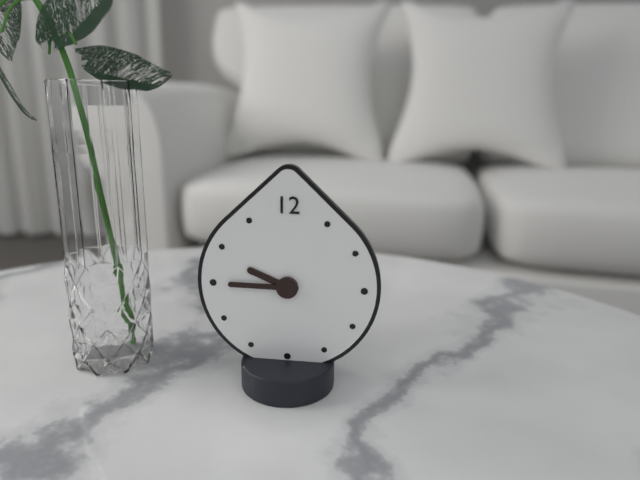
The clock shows h=9 m=45
